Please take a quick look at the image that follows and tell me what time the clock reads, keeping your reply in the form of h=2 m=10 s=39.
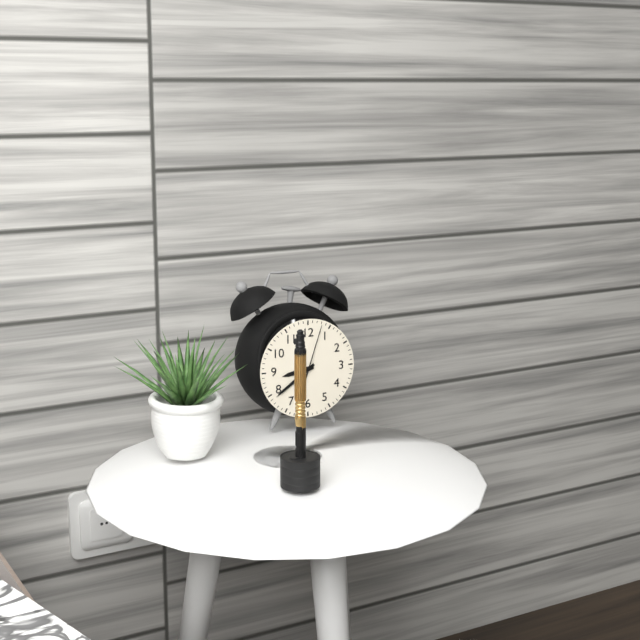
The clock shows h=8 m=39 s=3
